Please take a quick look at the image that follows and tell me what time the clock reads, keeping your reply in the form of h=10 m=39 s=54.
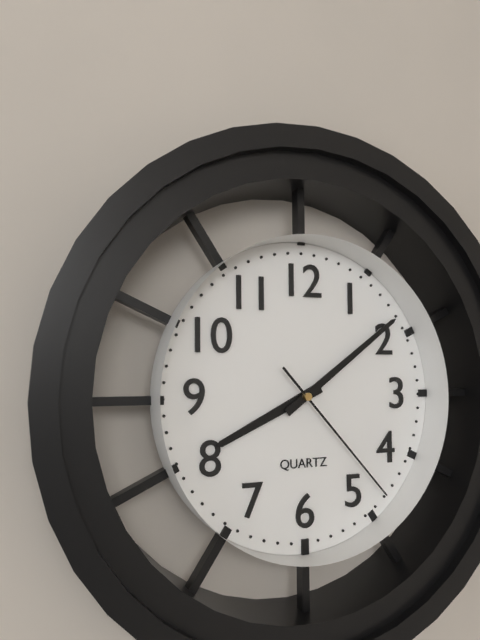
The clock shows h=8 m=9 s=23
